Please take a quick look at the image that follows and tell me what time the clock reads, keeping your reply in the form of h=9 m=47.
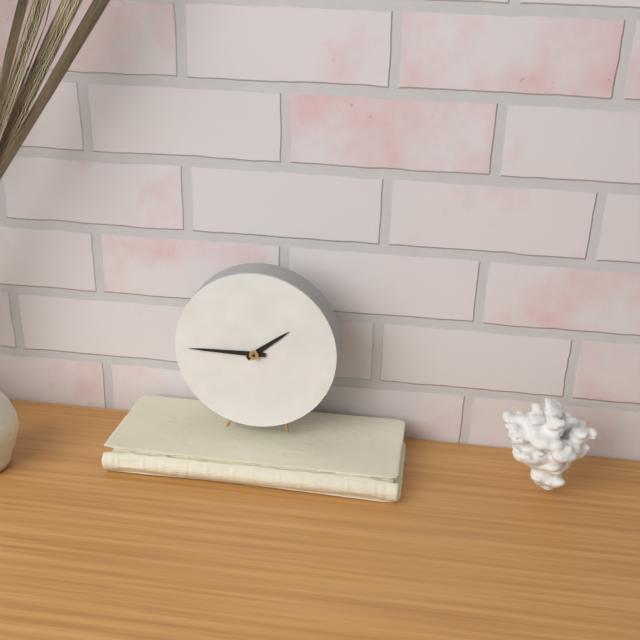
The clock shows h=1 m=45
